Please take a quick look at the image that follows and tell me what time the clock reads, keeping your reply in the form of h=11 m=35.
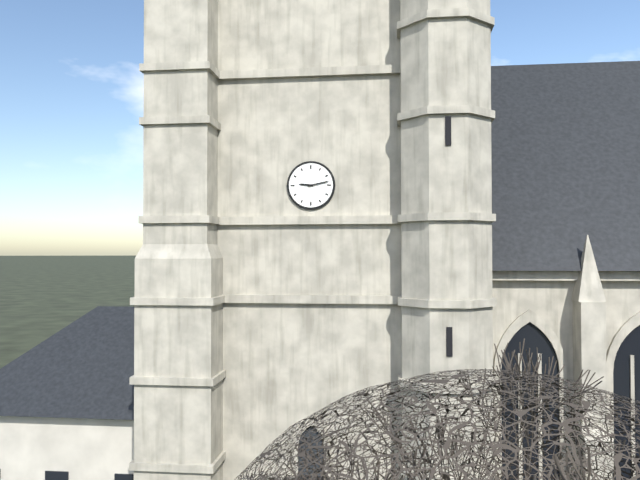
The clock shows h=9 m=13
